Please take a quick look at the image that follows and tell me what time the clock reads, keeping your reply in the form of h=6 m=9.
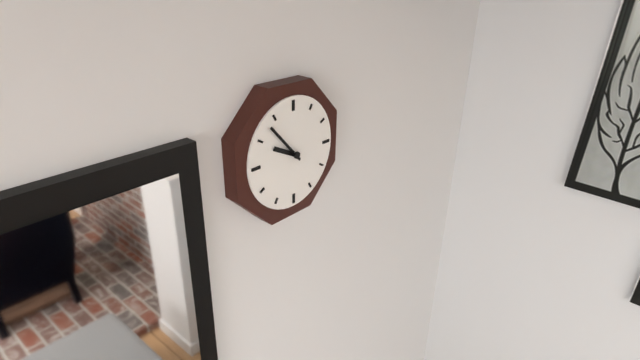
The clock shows h=9 m=53
